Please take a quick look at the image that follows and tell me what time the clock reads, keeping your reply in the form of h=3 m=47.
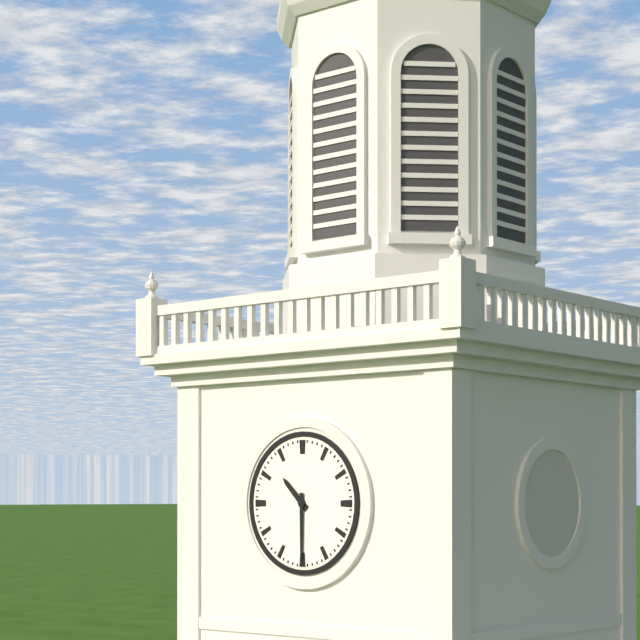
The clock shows h=10 m=30
